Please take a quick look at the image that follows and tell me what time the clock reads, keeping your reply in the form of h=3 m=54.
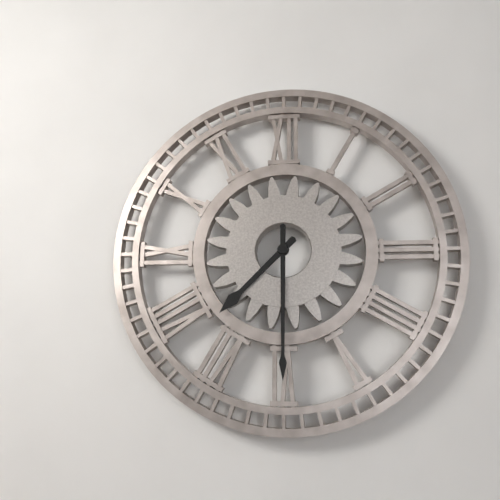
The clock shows h=7 m=30
